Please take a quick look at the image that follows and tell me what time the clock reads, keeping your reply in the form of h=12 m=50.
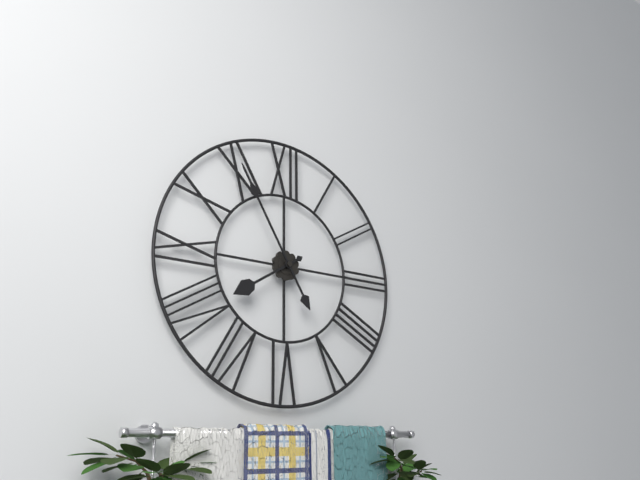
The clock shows h=7 m=55
